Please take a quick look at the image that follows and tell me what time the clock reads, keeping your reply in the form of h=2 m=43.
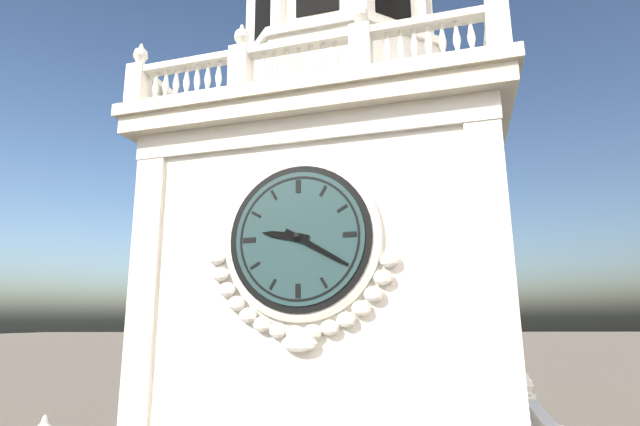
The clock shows h=9 m=20
